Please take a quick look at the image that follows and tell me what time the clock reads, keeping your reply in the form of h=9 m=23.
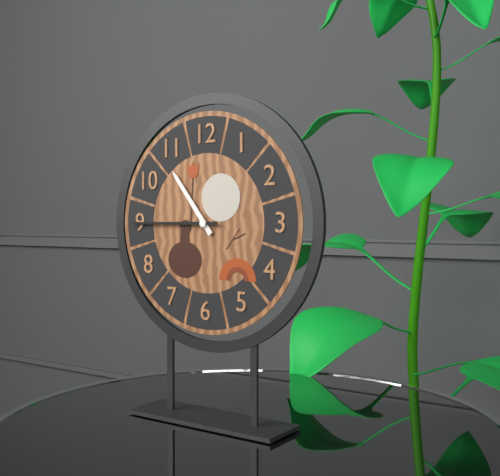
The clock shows h=10 m=45
